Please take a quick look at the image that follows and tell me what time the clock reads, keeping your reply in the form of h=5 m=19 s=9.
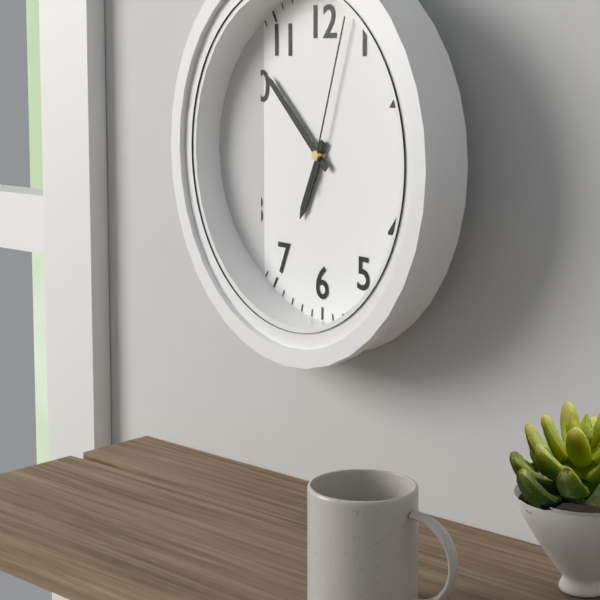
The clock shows h=6 m=52 s=3
